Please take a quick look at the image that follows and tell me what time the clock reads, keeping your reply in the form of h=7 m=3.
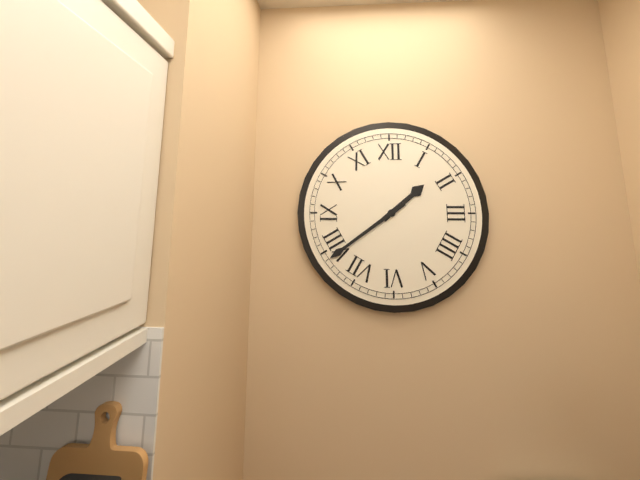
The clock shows h=1 m=39
